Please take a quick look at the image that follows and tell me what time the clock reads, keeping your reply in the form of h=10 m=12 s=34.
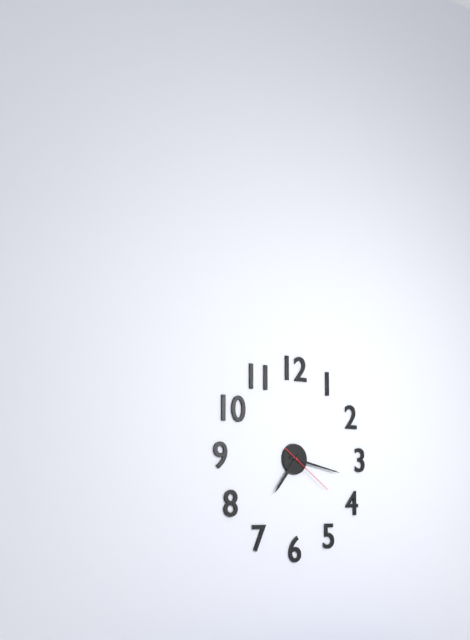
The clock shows h=7 m=17 s=21
